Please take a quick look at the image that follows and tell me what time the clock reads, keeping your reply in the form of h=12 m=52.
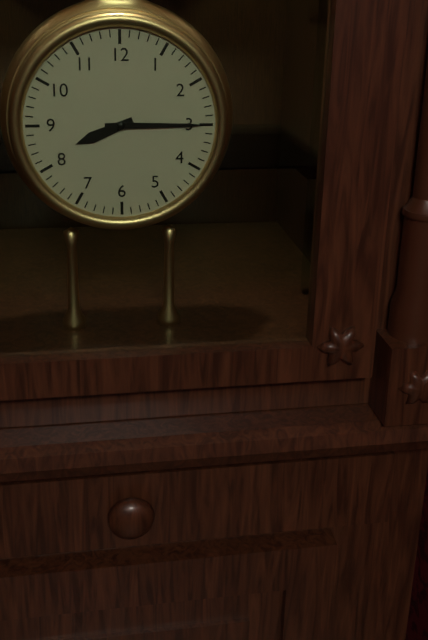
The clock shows h=8 m=15
